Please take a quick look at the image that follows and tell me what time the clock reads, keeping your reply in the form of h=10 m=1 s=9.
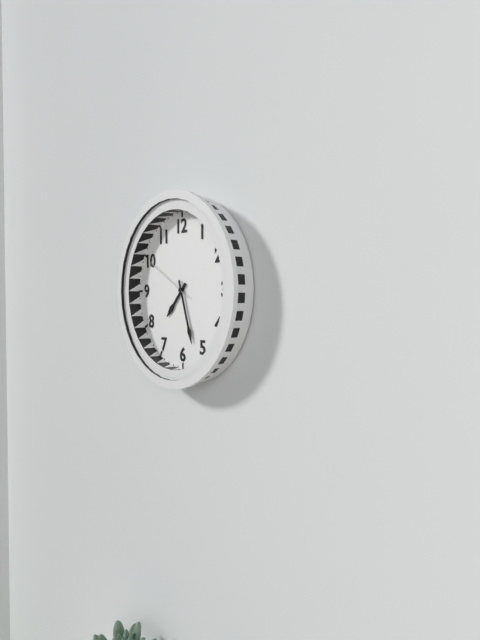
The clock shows h=7 m=27 s=50
